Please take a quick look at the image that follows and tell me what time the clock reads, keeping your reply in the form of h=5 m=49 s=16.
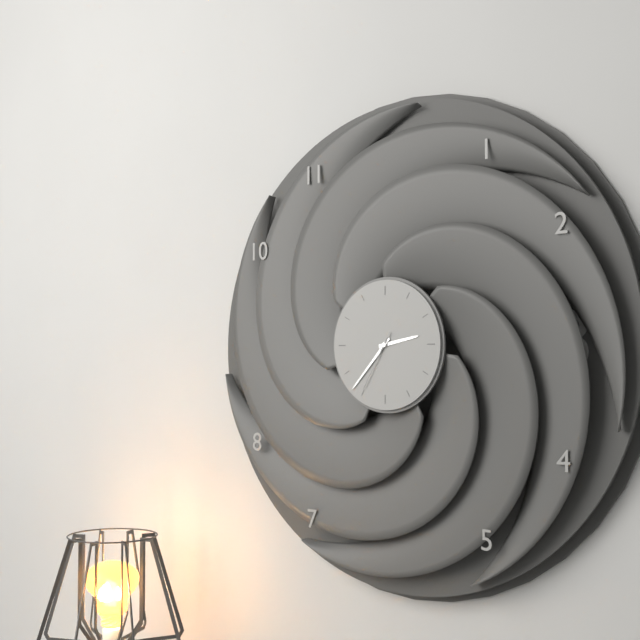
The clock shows h=2 m=37 s=35
